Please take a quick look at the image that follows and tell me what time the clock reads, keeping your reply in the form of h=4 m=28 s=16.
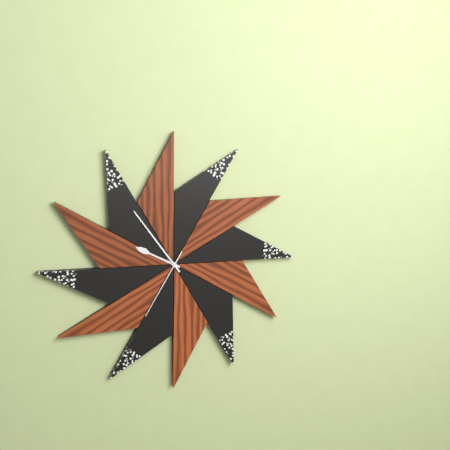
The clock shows h=9 m=54 s=35
